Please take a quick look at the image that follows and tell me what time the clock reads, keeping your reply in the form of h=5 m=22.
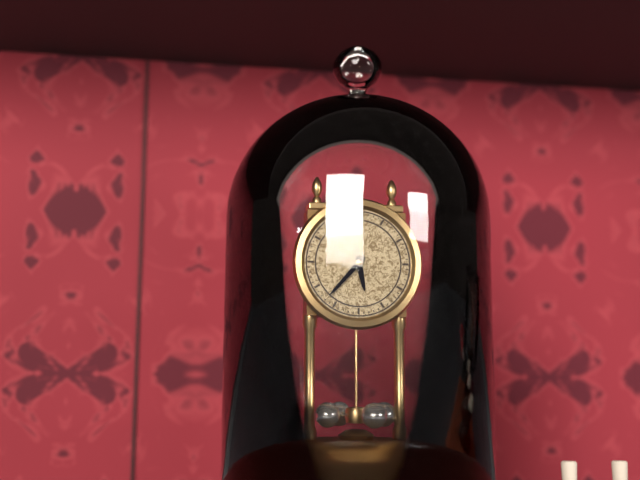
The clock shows h=5 m=37
